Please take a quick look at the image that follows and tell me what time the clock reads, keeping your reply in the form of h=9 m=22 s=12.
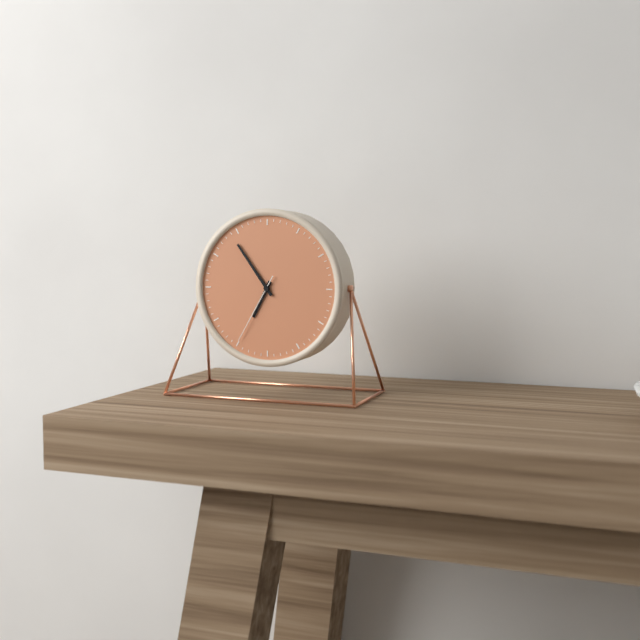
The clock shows h=6 m=54 s=35
